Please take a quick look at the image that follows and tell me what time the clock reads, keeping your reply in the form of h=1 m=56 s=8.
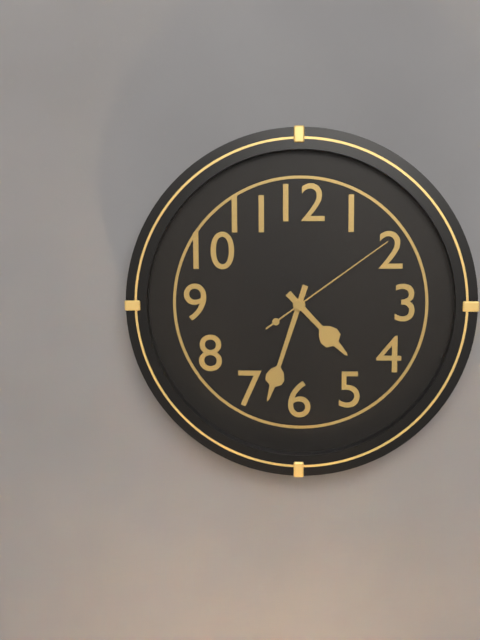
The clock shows h=4 m=33 s=9
